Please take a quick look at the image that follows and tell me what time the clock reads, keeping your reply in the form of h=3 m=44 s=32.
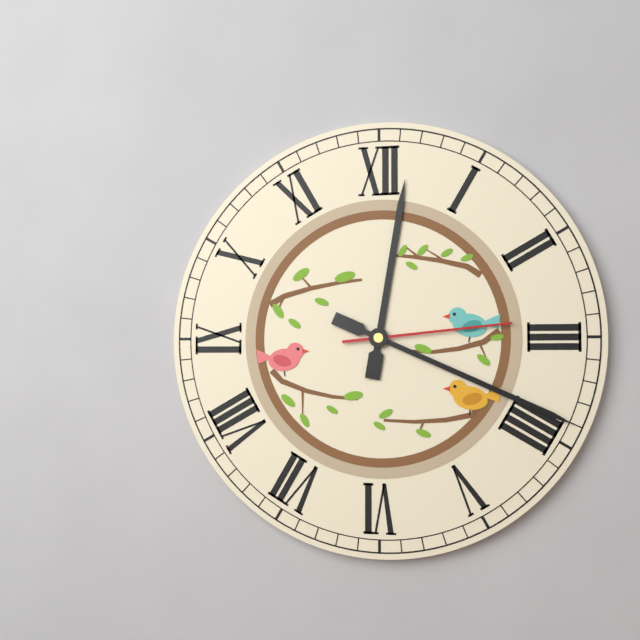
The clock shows h=12 m=19 s=14
